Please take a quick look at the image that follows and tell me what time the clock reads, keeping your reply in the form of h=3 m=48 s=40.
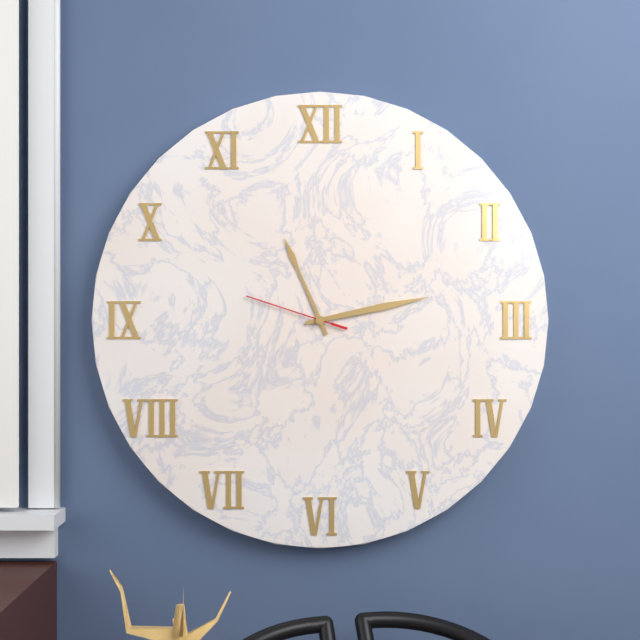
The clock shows h=11 m=13 s=48
